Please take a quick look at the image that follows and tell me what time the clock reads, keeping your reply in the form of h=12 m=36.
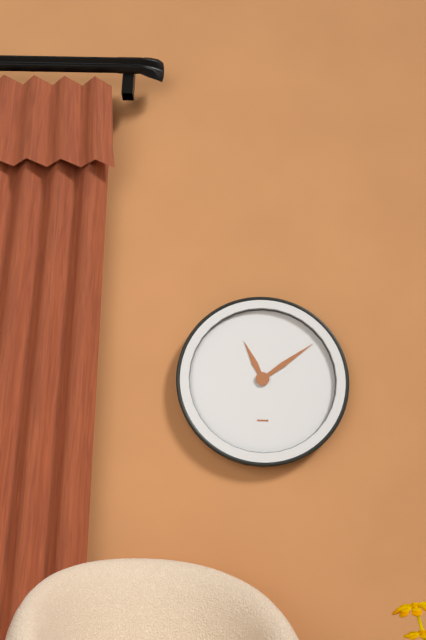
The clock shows h=11 m=9
